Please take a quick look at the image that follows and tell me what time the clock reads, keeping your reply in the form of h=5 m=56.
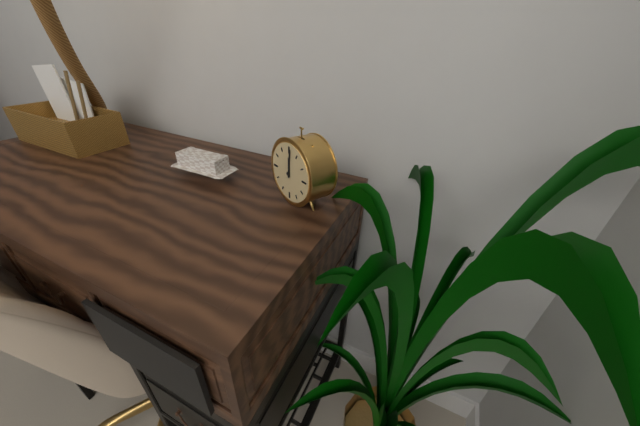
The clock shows h=12 m=1
